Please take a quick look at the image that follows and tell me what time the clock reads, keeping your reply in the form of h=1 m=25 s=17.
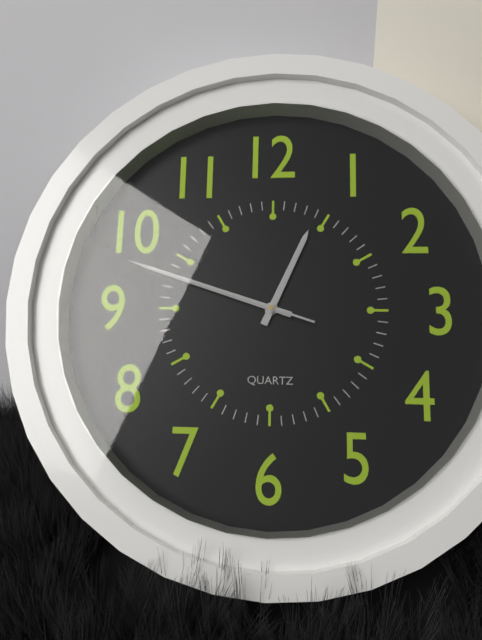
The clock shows h=12 m=48 s=48
